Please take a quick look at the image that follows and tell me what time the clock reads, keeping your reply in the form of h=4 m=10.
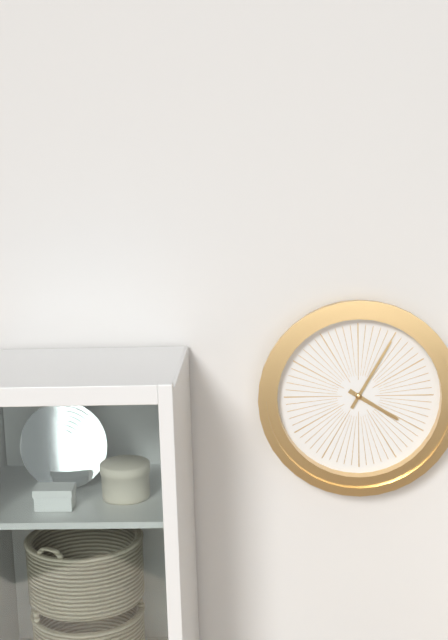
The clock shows h=4 m=5
